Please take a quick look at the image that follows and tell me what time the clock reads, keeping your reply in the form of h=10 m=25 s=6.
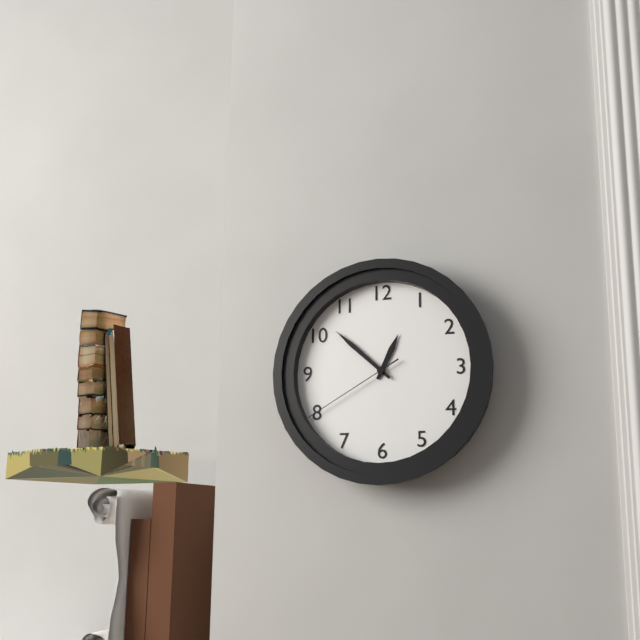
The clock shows h=12 m=52 s=40
